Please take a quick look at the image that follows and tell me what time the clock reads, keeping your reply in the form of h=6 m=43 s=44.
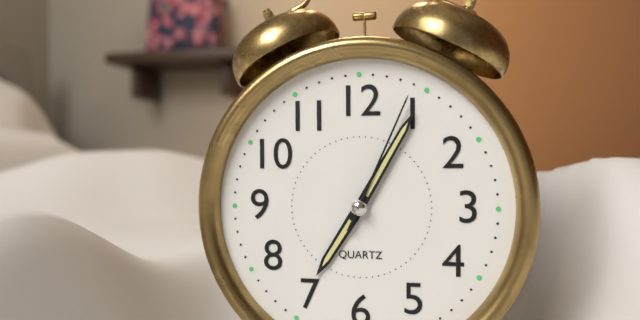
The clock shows h=7 m=5 s=4
